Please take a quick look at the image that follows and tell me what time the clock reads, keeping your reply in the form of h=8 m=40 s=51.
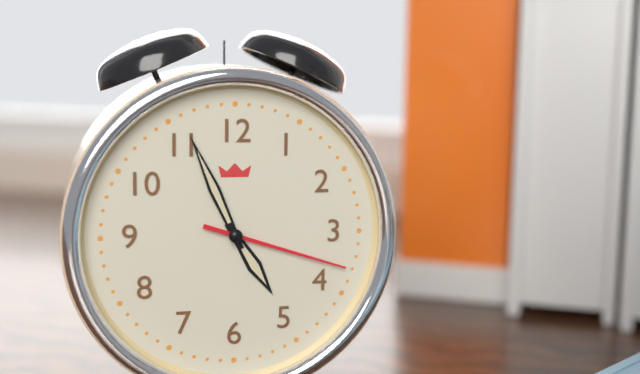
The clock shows h=4 m=56 s=18
